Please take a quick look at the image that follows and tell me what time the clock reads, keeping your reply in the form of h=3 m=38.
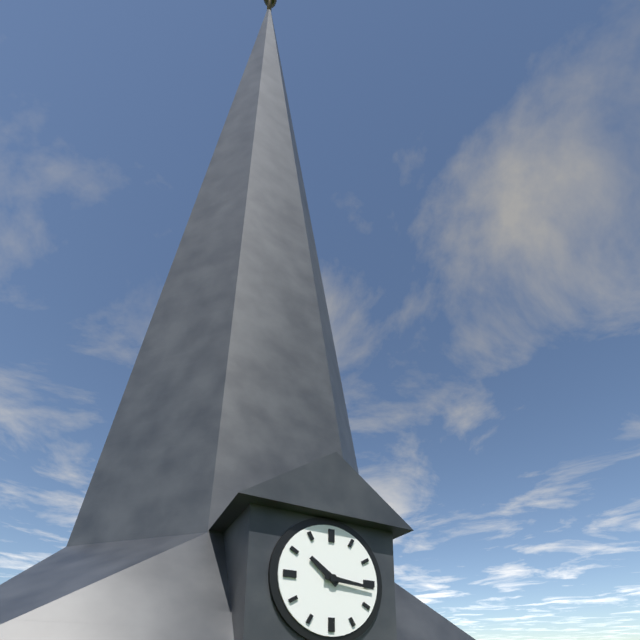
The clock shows h=10 m=16
